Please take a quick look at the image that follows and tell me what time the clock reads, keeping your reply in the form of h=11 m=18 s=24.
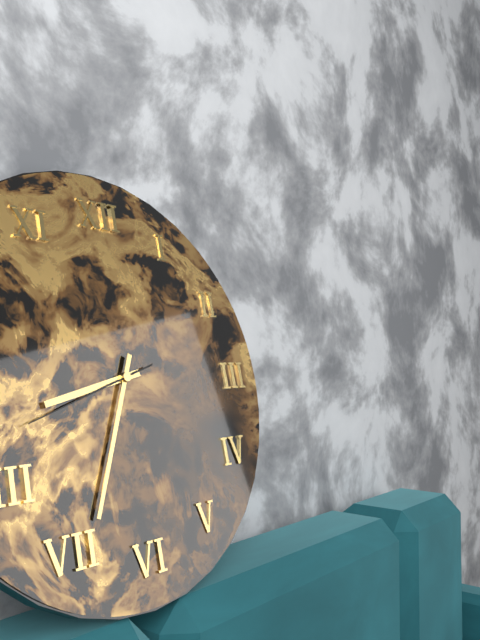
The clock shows h=8 m=34 s=42
